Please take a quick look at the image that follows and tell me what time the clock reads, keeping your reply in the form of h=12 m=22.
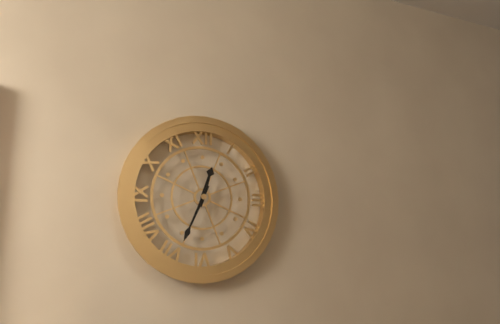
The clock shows h=12 m=34
